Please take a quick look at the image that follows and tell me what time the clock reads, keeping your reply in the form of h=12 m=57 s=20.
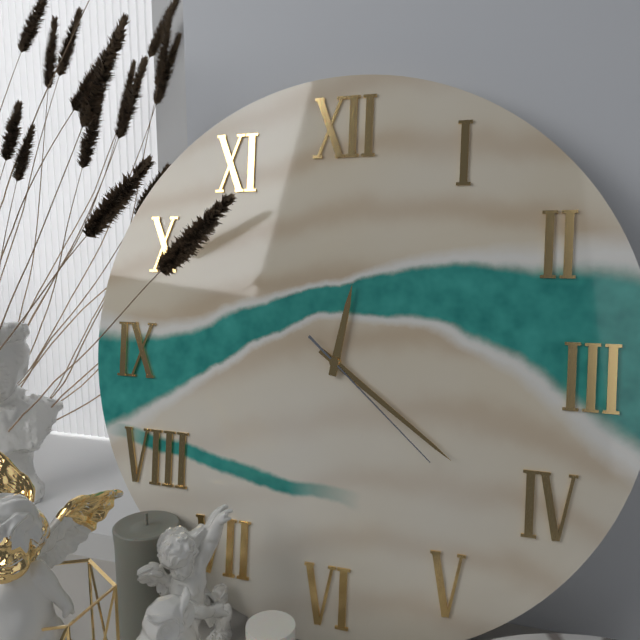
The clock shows h=12 m=21 s=22
